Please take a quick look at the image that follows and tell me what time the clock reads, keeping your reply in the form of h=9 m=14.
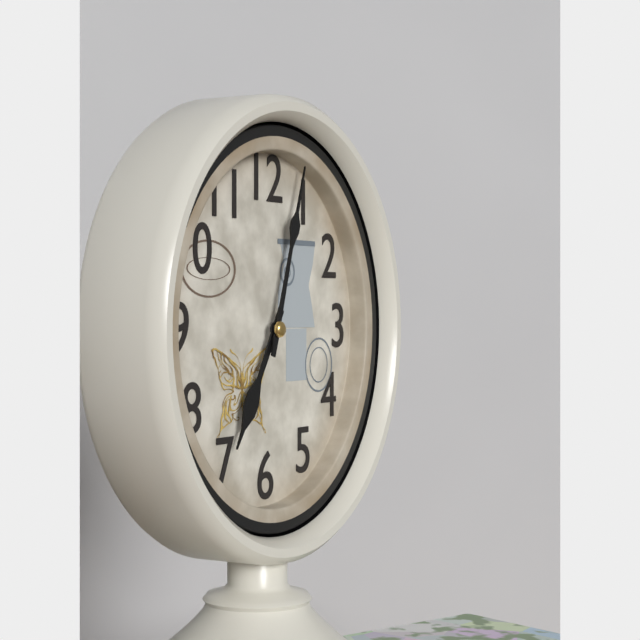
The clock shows h=7 m=3
